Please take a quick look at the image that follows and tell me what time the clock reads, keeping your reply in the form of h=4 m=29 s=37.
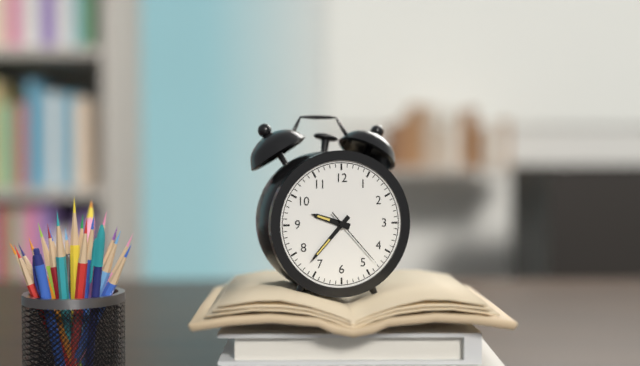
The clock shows h=9 m=37 s=23
